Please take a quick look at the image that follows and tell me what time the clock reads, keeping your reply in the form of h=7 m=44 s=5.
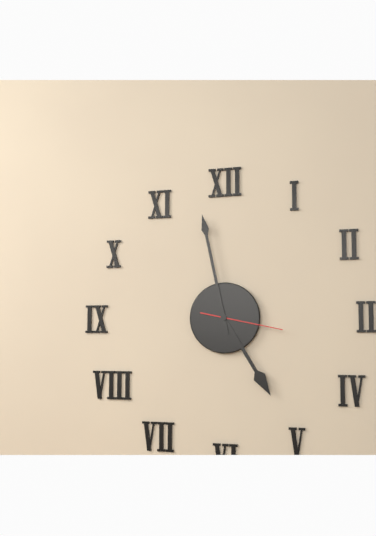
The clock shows h=4 m=58 s=17
